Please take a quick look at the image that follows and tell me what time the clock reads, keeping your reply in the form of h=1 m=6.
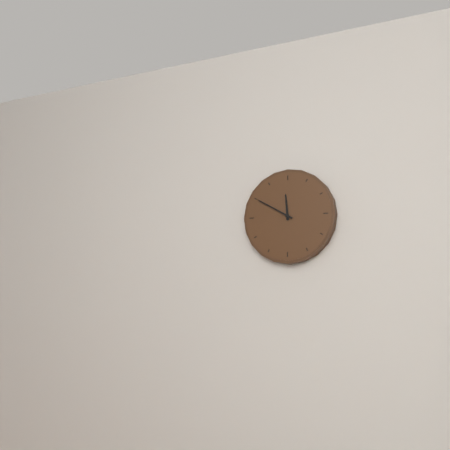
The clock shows h=11 m=50
